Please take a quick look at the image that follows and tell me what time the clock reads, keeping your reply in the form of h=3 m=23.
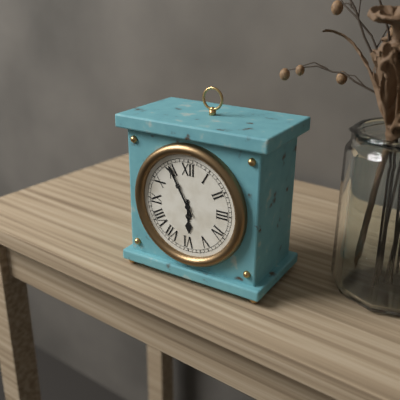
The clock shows h=5 m=55
